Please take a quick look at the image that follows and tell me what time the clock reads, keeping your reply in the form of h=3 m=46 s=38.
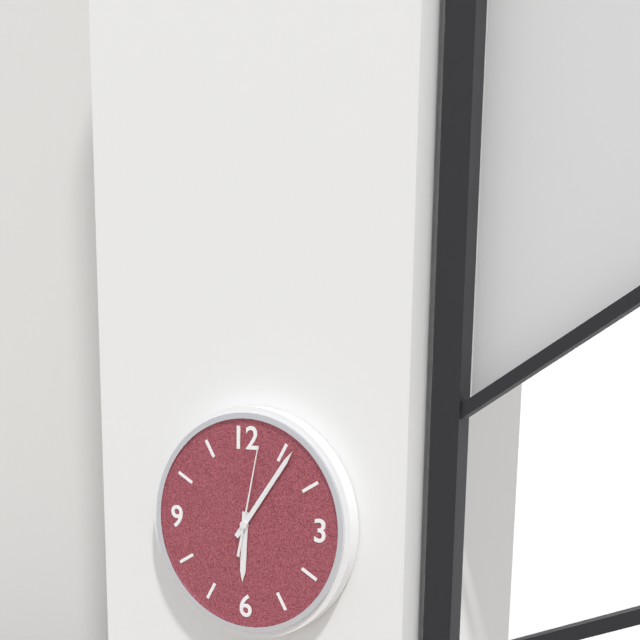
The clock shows h=6 m=6 s=2
